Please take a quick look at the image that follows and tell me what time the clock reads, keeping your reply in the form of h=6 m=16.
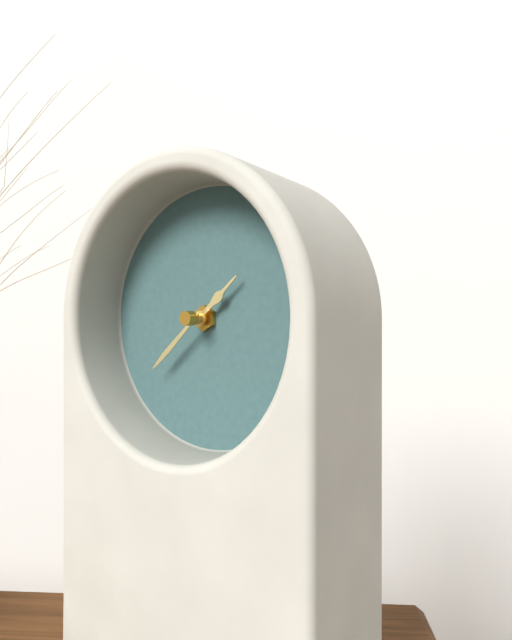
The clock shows h=1 m=38
